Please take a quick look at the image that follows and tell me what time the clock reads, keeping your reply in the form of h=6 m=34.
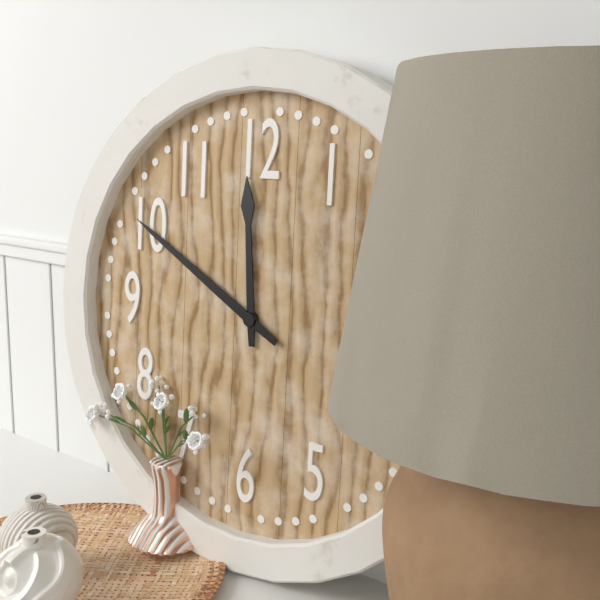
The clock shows h=11 m=50
